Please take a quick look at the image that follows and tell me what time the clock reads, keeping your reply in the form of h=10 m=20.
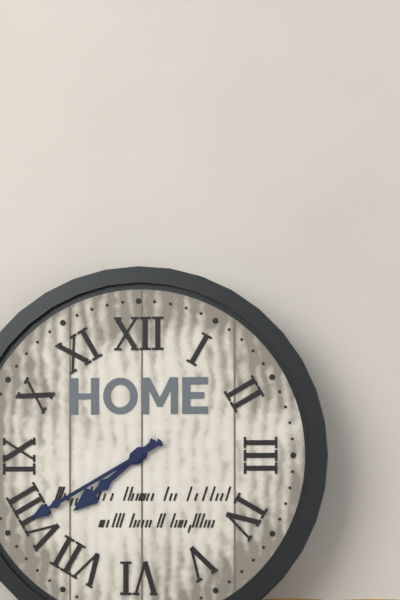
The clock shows h=7 m=40
